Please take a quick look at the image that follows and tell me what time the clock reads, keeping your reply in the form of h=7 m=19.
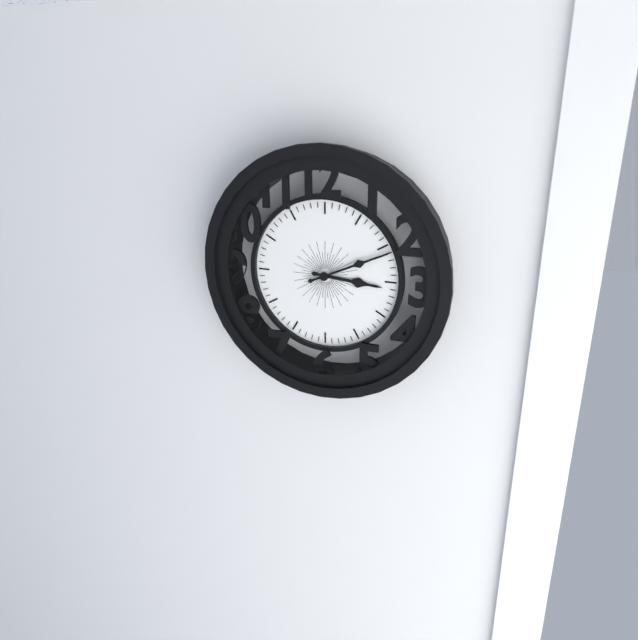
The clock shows h=3 m=11
